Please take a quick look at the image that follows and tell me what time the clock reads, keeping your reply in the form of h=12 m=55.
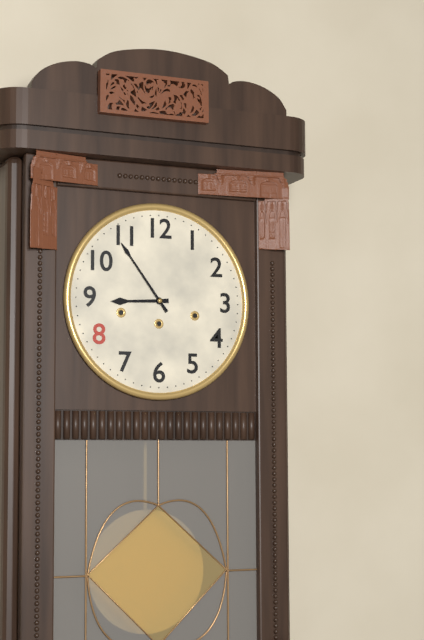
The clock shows h=8 m=54
